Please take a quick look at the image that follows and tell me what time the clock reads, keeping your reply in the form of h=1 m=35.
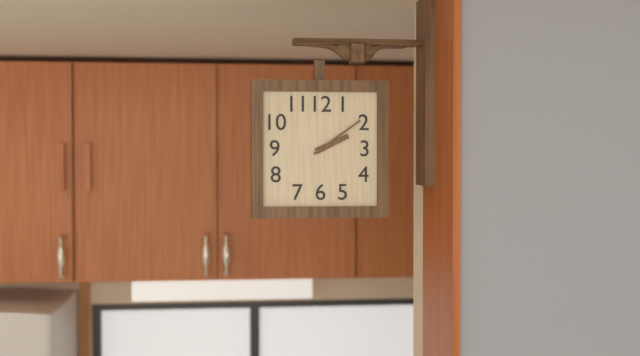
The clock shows h=2 m=9
